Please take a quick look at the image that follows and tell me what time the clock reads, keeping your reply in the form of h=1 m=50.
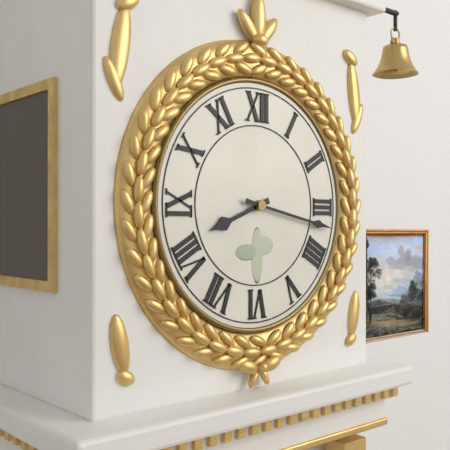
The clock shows h=8 m=17
